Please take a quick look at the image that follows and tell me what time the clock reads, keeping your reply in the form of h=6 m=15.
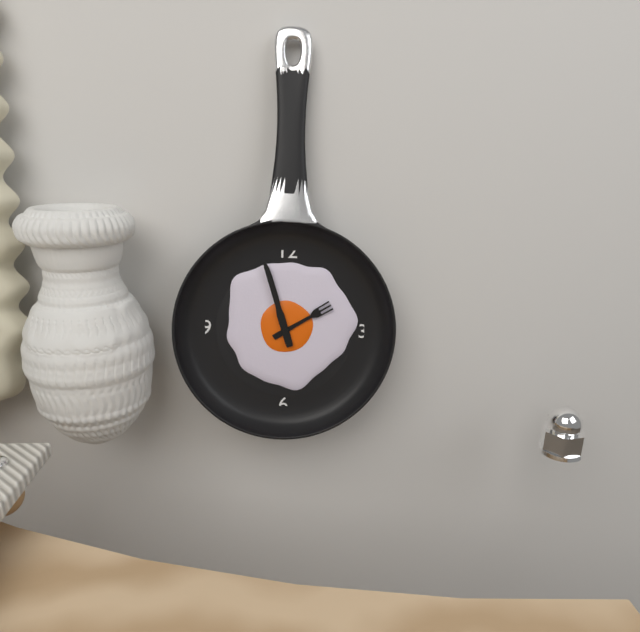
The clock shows h=1 m=57
